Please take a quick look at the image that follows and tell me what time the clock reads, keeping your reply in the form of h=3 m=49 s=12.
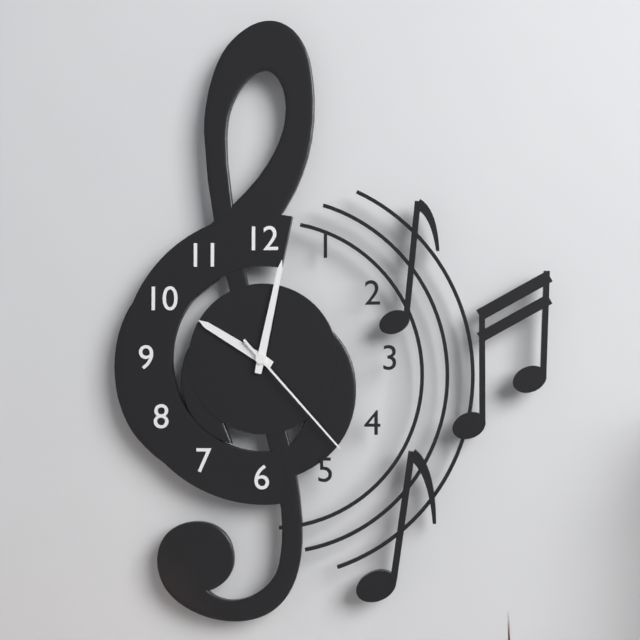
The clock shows h=10 m=2 s=23
